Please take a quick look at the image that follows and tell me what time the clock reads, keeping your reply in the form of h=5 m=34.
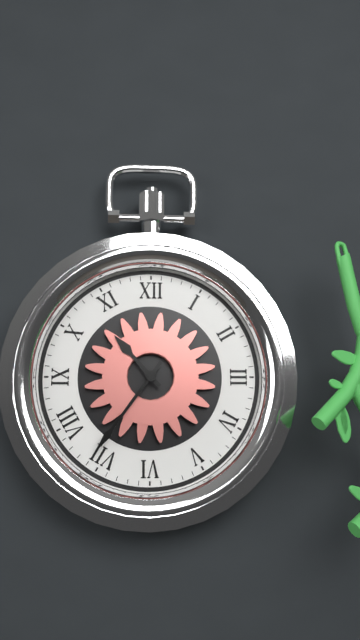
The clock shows h=10 m=36
